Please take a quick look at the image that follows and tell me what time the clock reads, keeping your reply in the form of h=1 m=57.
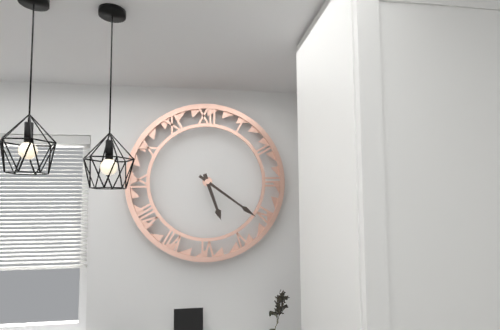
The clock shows h=5 m=21
